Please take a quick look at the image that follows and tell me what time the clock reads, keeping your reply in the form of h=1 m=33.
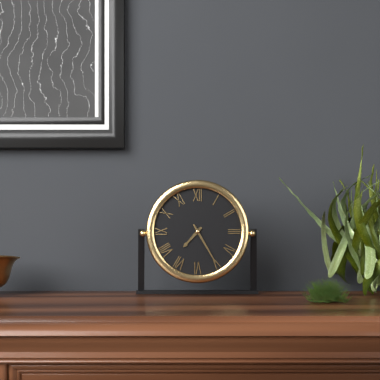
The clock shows h=7 m=25
